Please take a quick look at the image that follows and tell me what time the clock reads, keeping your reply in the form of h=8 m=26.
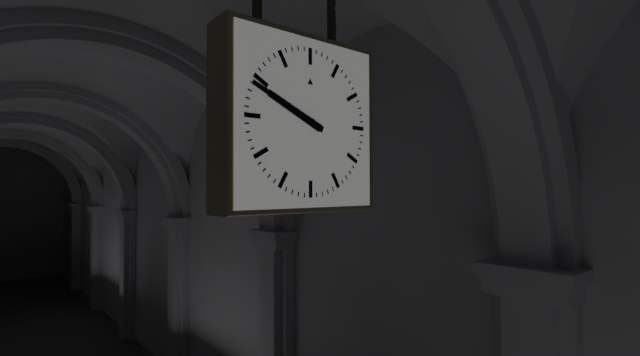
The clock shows h=9 m=49
